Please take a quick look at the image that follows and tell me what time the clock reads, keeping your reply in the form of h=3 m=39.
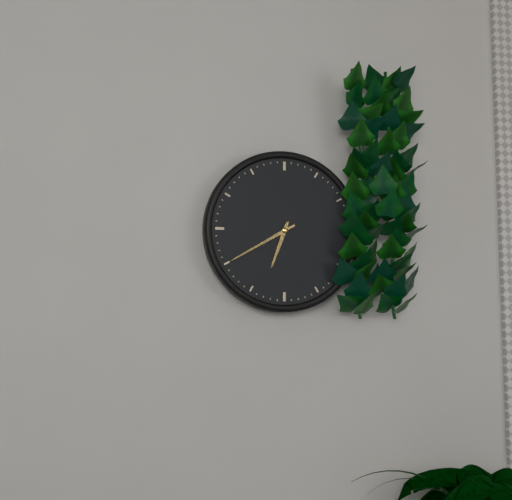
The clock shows h=6 m=40
